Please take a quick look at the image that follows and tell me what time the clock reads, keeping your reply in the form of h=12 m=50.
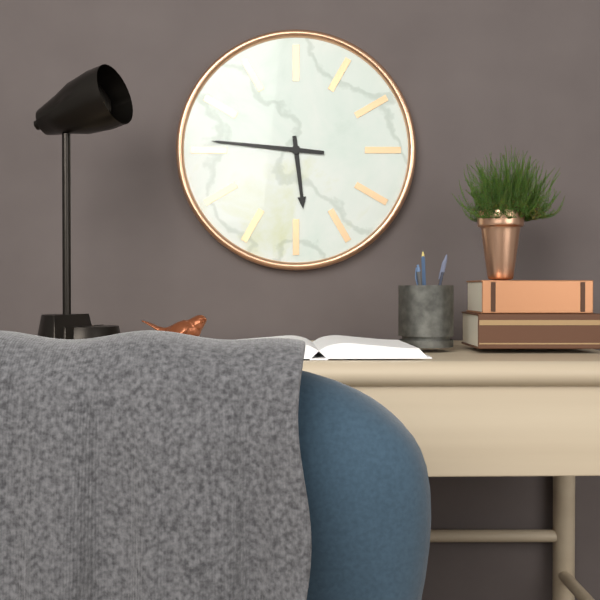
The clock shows h=5 m=46
